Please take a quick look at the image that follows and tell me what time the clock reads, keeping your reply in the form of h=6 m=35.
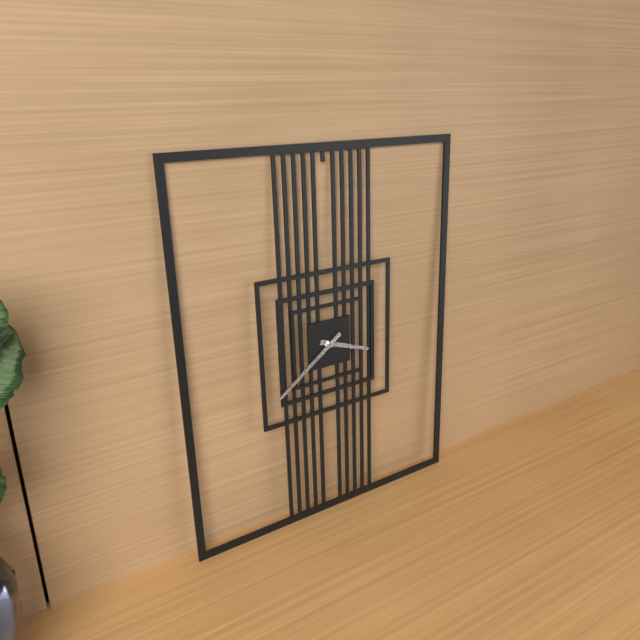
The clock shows h=3 m=39
